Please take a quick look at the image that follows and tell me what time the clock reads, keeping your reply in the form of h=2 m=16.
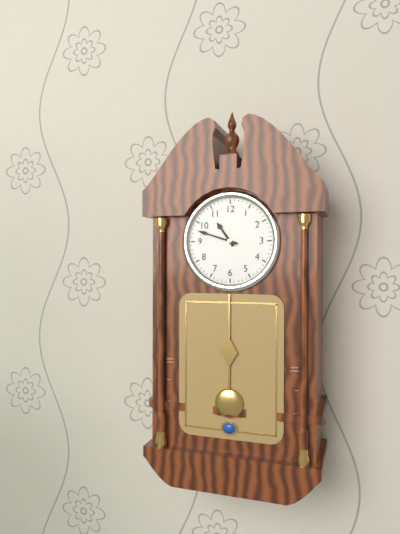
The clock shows h=10 m=48
